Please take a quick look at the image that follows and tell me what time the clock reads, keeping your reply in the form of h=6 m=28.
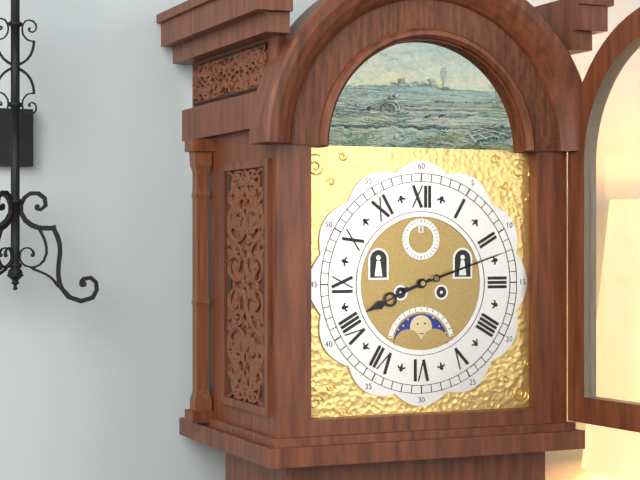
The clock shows h=8 m=12
